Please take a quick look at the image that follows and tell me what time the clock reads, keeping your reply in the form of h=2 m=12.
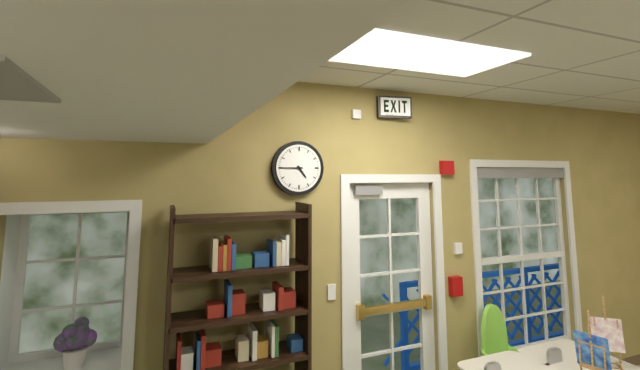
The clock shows h=4 m=45
